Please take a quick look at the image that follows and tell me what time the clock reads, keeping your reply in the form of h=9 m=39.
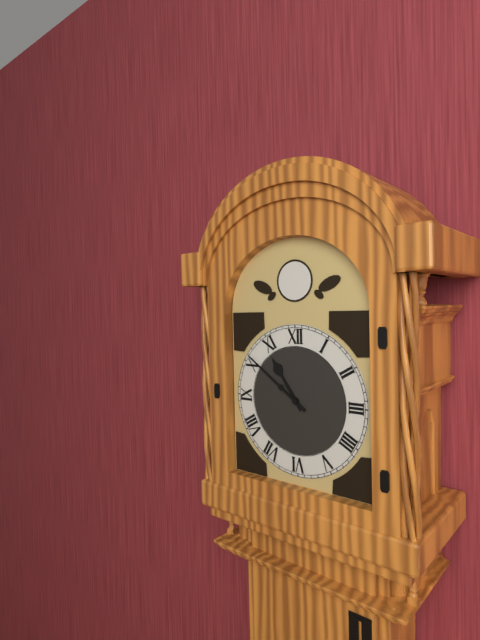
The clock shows h=10 m=51
